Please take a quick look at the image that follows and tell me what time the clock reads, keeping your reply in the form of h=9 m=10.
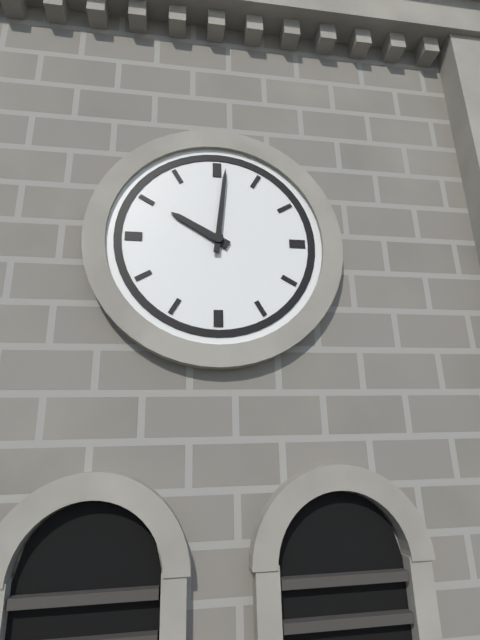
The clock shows h=10 m=1
